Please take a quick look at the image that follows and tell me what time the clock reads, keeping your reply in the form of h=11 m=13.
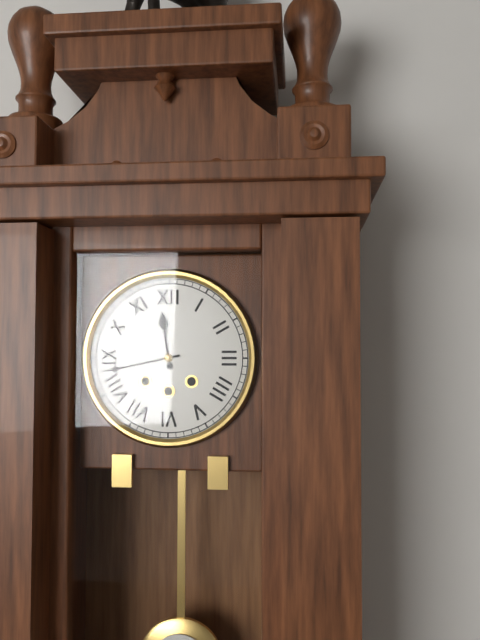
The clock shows h=11 m=43
